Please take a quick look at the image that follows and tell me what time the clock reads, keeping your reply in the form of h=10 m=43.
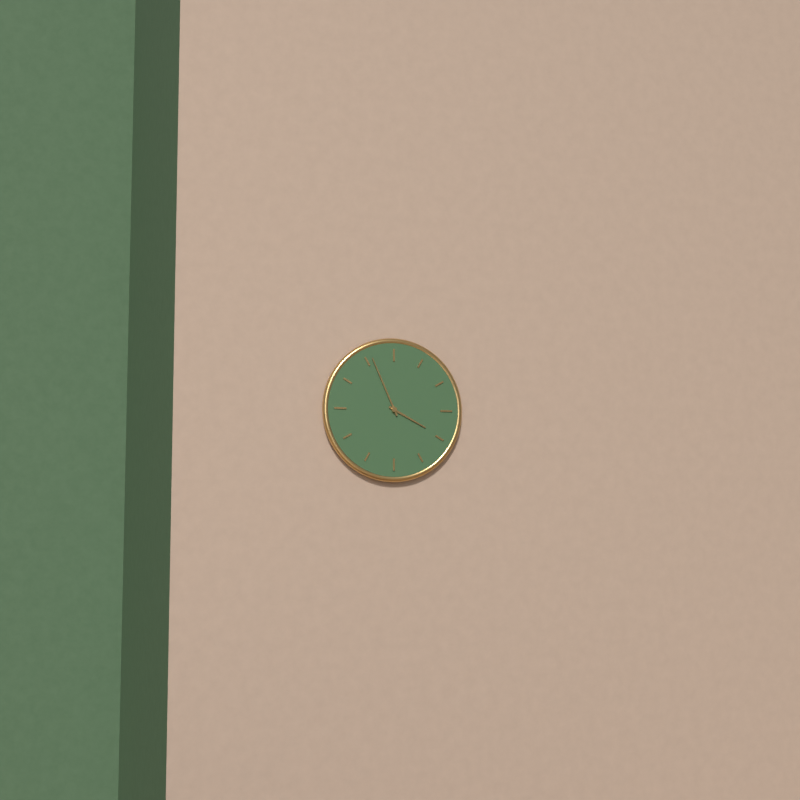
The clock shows h=3 m=56
